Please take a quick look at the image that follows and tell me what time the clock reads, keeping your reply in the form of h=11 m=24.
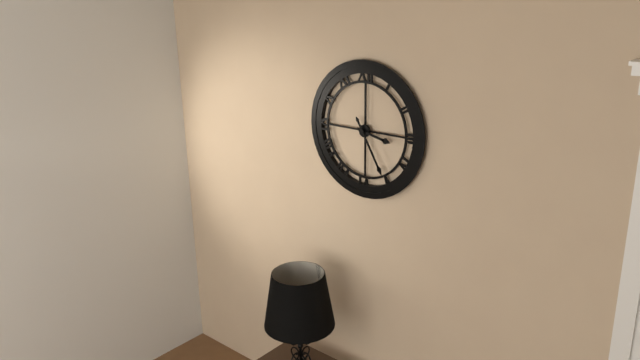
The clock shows h=3 m=25
